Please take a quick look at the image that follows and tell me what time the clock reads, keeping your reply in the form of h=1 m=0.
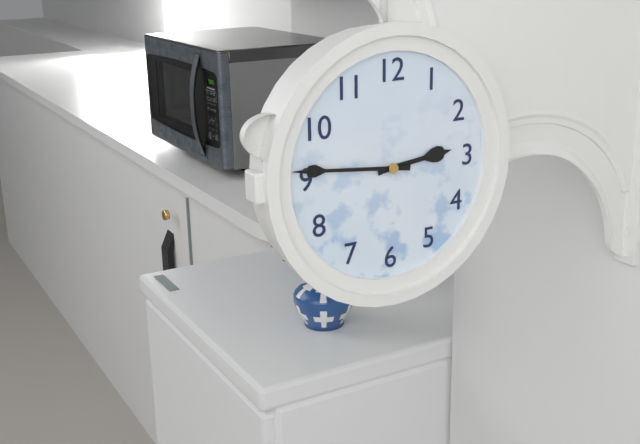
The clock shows h=2 m=46
